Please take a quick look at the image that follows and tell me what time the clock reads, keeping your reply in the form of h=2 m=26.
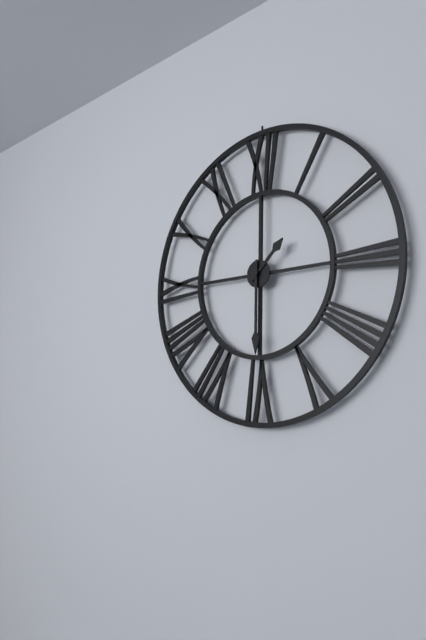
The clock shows h=1 m=30
